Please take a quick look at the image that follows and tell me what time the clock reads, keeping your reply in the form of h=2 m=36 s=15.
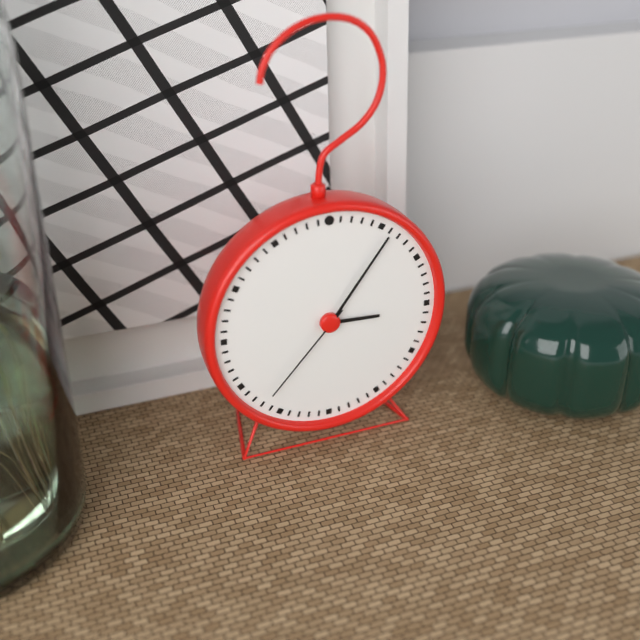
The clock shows h=3 m=6 s=37
